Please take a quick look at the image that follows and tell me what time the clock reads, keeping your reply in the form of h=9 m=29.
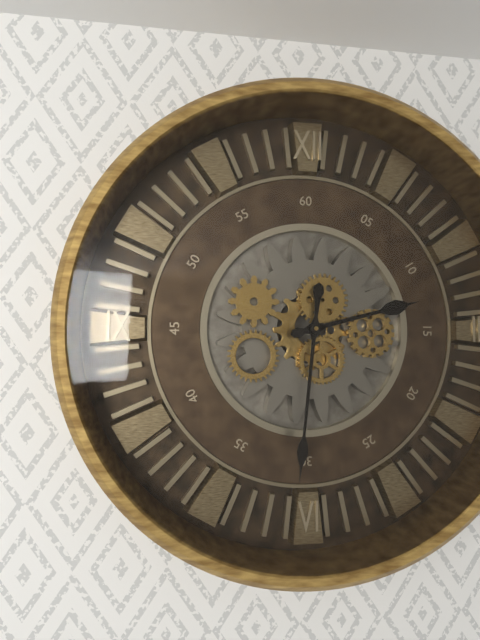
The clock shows h=2 m=31
